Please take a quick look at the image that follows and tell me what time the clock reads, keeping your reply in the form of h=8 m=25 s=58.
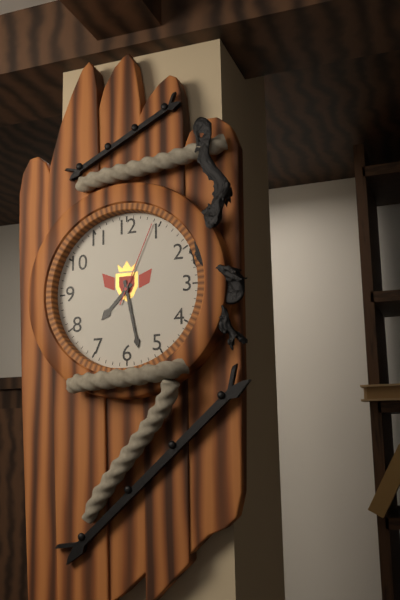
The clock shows h=7 m=28 s=4
